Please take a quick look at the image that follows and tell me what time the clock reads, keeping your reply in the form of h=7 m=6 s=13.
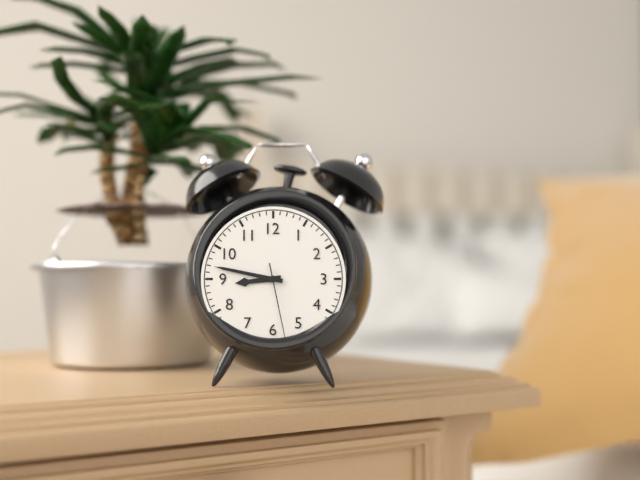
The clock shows h=8 m=47 s=28
